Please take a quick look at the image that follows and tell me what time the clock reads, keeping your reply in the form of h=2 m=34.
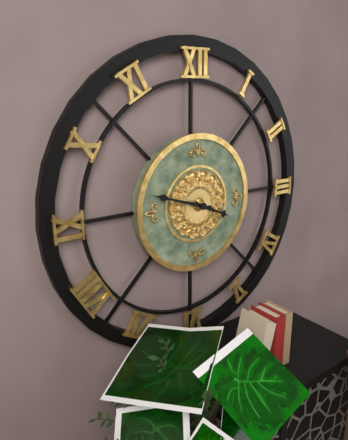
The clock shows h=3 m=48
